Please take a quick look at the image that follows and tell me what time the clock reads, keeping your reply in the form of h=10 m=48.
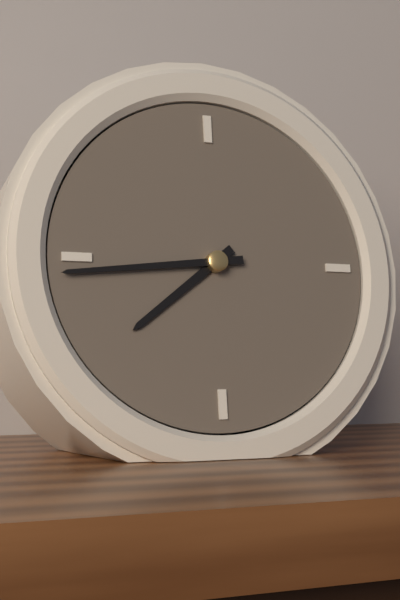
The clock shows h=7 m=44
